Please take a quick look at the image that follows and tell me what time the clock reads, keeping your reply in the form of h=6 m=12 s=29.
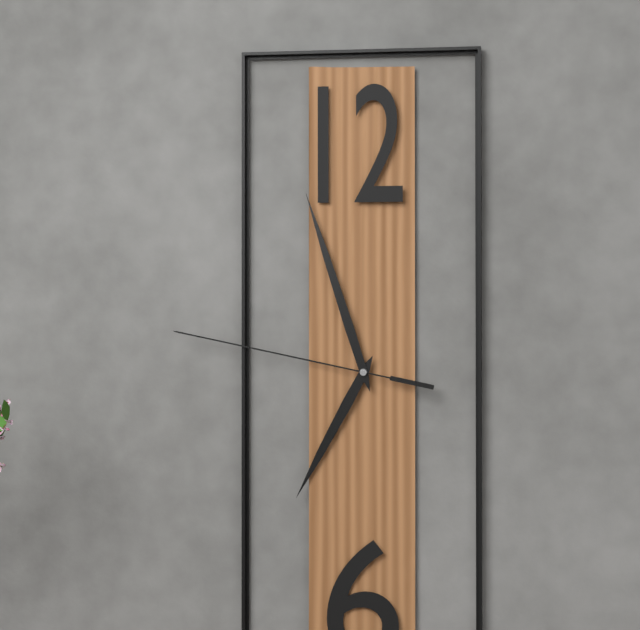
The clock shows h=6 m=57 s=47
